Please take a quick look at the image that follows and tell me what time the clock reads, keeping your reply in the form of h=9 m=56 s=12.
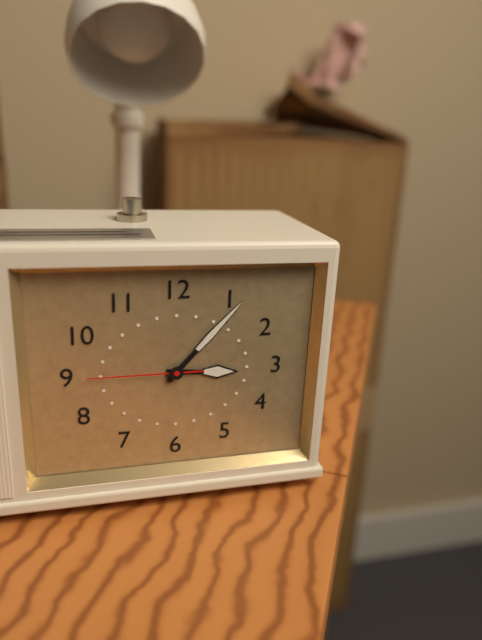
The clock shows h=3 m=7 s=45
